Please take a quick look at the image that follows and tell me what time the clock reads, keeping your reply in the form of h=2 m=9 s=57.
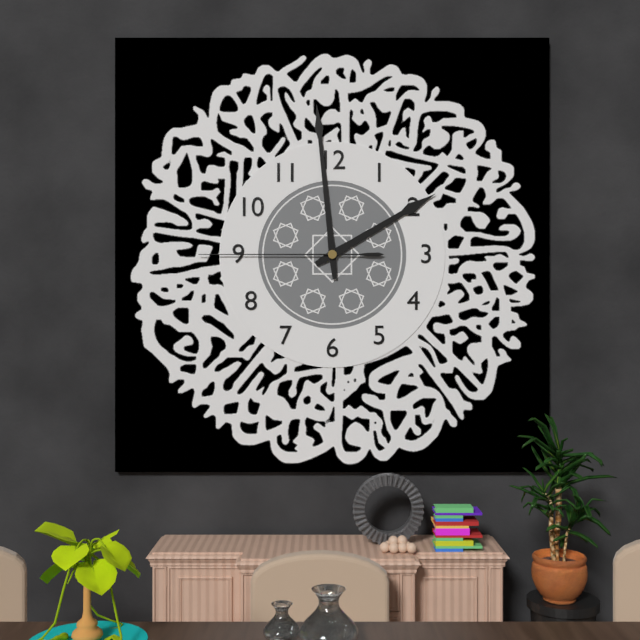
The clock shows h=1 m=59 s=45
